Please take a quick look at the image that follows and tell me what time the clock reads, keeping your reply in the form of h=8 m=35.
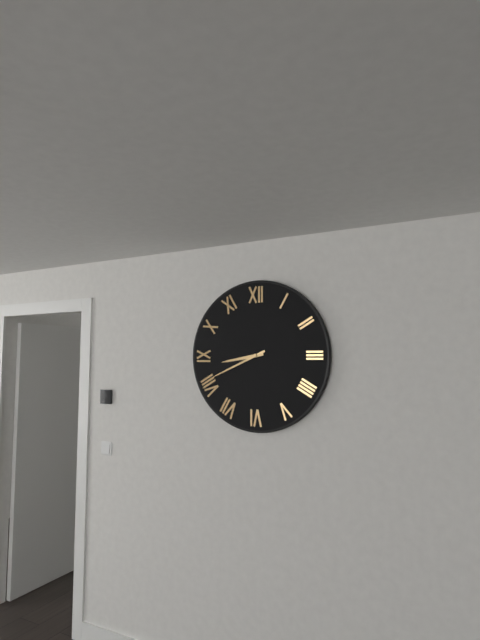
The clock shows h=8 m=41
